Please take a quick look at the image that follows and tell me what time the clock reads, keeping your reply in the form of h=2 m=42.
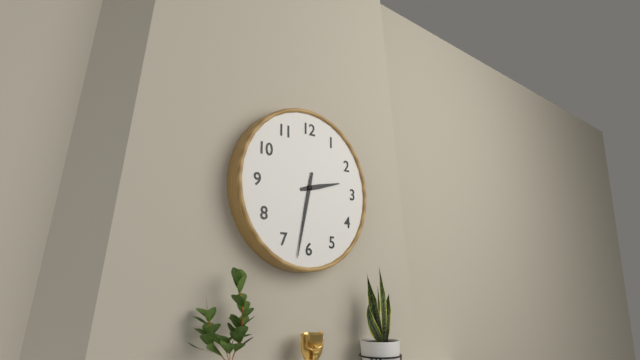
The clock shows h=2 m=32
